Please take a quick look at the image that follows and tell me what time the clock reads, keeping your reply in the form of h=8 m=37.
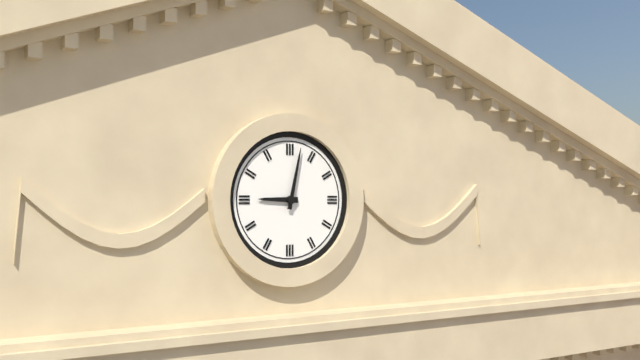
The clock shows h=9 m=2
